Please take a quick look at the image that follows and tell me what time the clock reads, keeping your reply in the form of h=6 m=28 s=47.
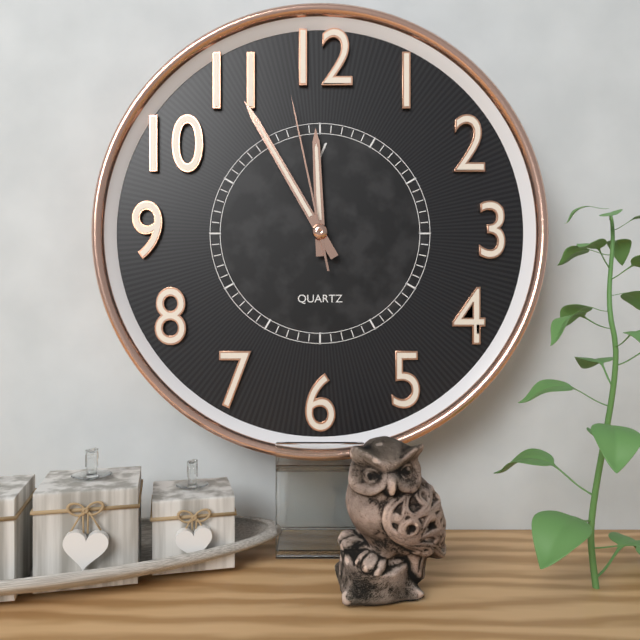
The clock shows h=11 m=55 s=58
